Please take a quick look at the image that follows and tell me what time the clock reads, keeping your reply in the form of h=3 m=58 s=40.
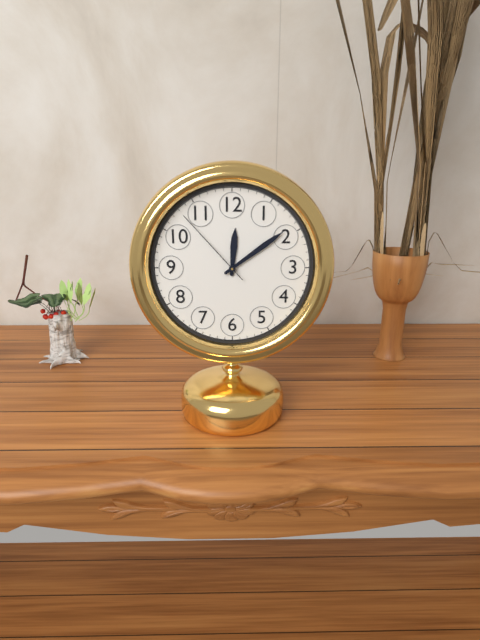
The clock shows h=12 m=9 s=53
